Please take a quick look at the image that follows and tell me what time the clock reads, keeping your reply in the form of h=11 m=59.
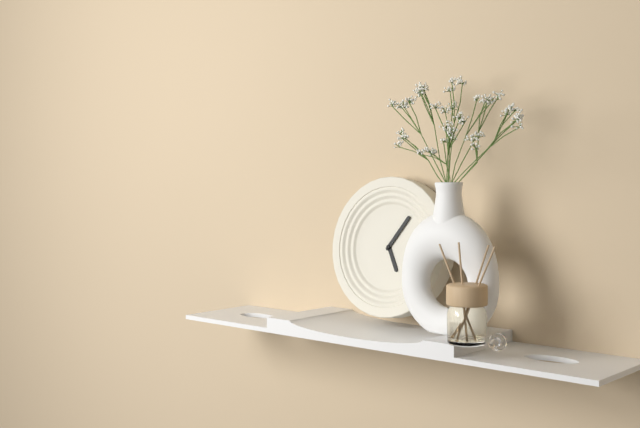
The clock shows h=5 m=6
